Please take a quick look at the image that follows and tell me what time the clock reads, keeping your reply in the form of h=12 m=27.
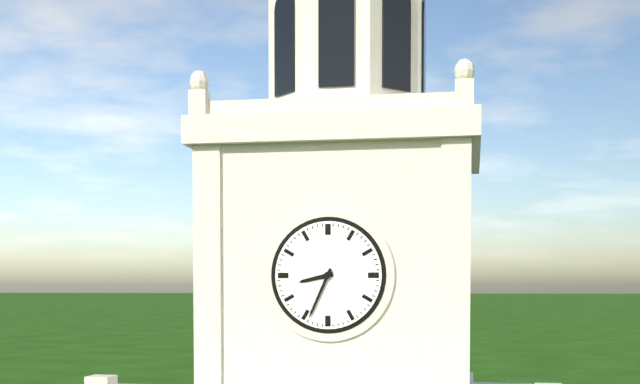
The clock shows h=8 m=34
